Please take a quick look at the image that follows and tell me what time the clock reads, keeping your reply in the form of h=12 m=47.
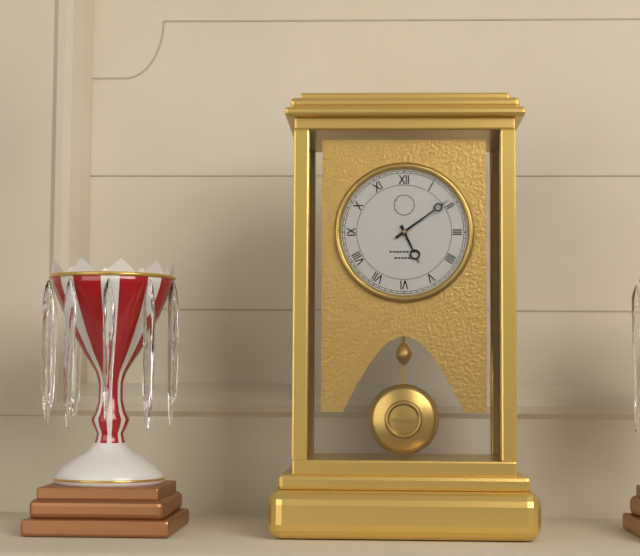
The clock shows h=5 m=9
